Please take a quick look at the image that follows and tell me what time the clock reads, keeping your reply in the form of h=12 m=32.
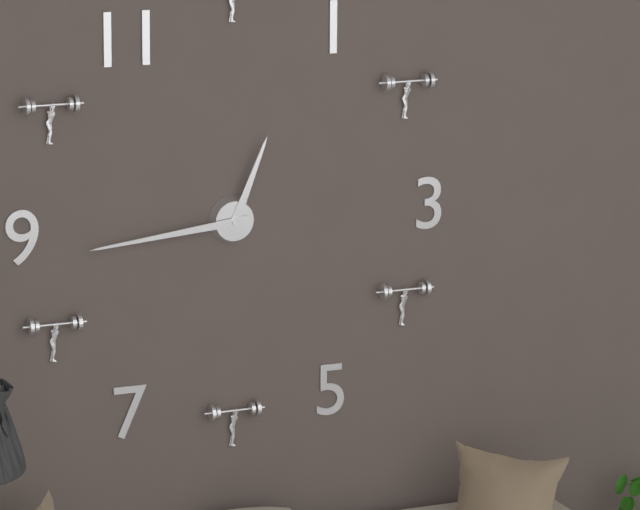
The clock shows h=12 m=44
